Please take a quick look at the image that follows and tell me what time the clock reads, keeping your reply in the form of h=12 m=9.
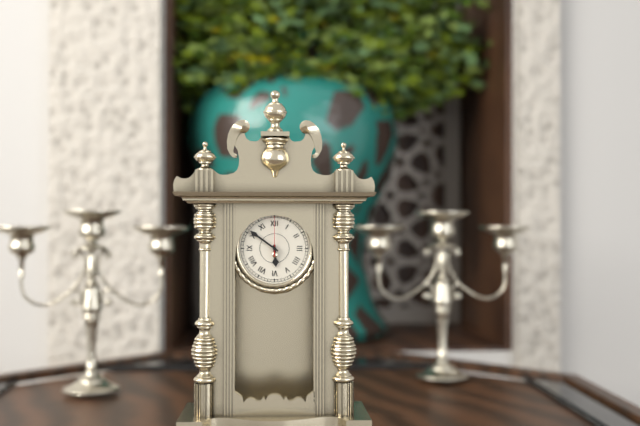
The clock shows h=5 m=51
